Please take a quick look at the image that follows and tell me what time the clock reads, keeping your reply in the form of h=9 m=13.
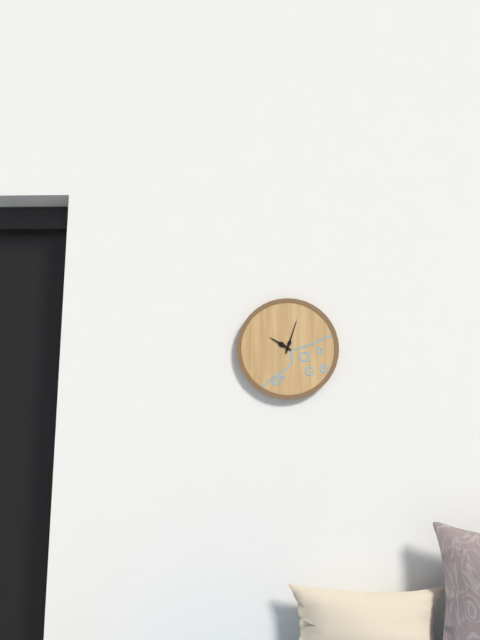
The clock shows h=10 m=3
